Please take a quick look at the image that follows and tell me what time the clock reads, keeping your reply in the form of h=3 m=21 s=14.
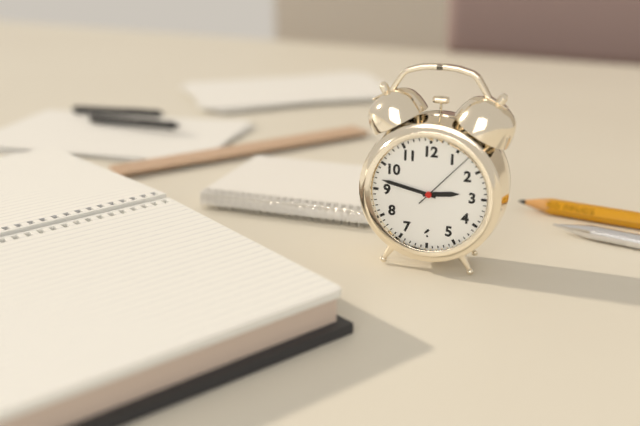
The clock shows h=2 m=47 s=7
